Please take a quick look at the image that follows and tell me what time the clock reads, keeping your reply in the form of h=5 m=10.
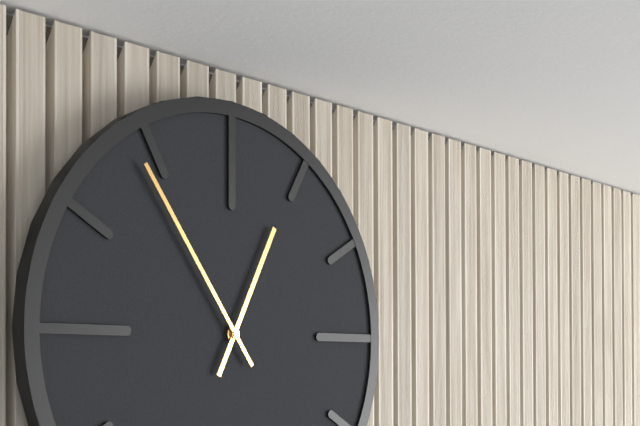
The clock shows h=12 m=54
